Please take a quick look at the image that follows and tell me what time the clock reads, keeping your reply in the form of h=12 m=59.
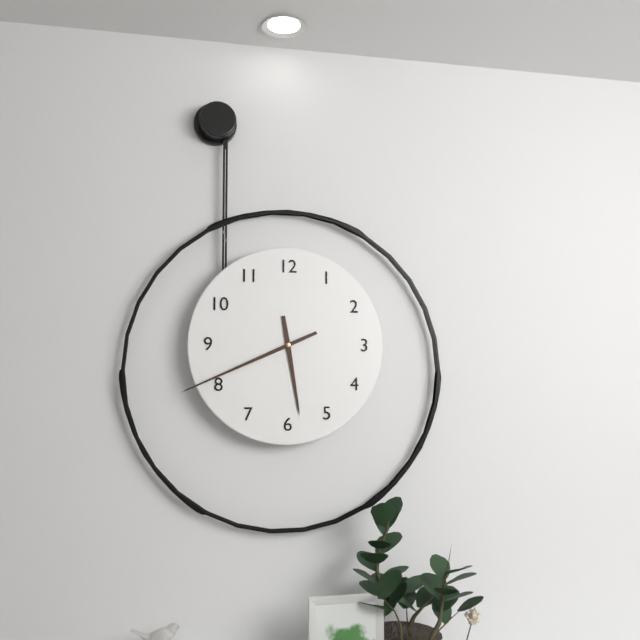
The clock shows h=5 m=41
